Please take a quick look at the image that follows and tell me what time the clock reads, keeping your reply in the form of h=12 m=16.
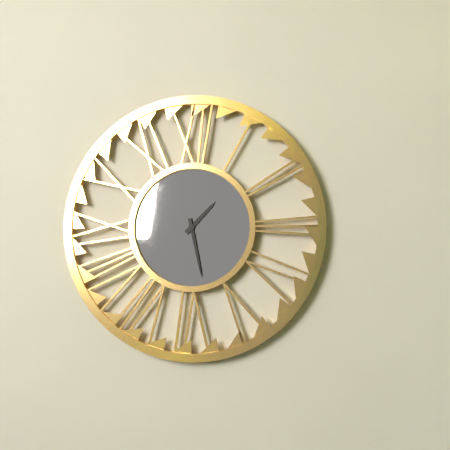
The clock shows h=1 m=28
